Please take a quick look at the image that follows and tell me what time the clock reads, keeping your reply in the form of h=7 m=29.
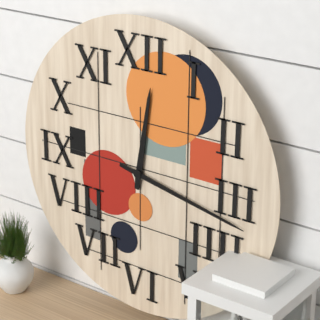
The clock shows h=12 m=17
